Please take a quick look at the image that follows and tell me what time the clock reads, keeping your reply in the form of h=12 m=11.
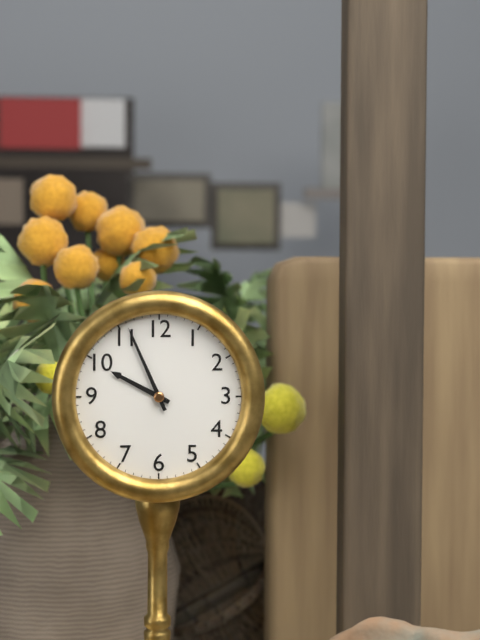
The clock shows h=9 m=56
